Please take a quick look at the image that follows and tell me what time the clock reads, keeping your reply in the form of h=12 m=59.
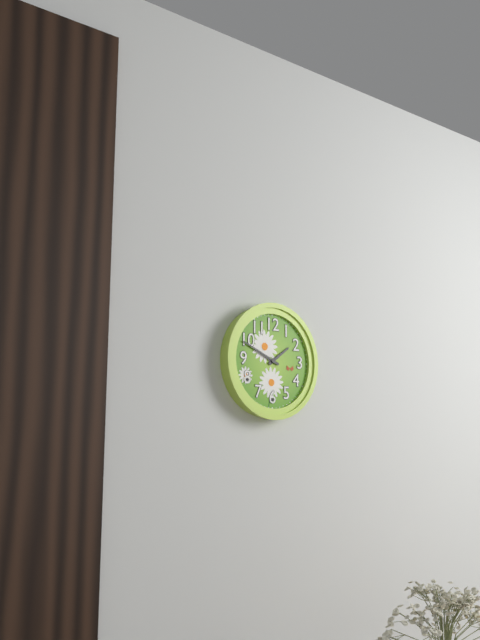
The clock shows h=1 m=49
